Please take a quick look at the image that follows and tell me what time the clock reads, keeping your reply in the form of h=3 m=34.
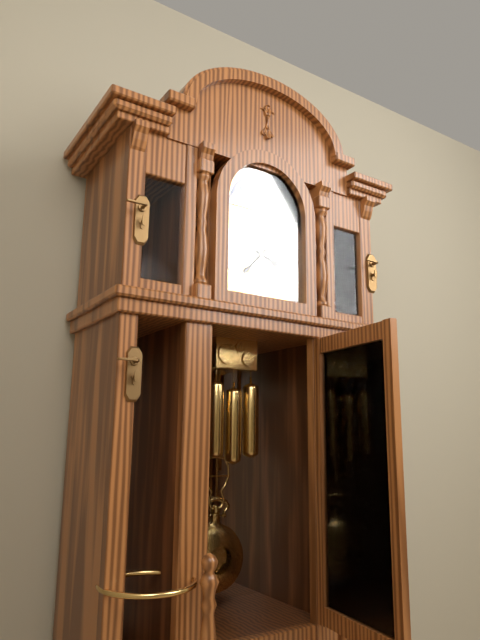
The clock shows h=3 m=37
